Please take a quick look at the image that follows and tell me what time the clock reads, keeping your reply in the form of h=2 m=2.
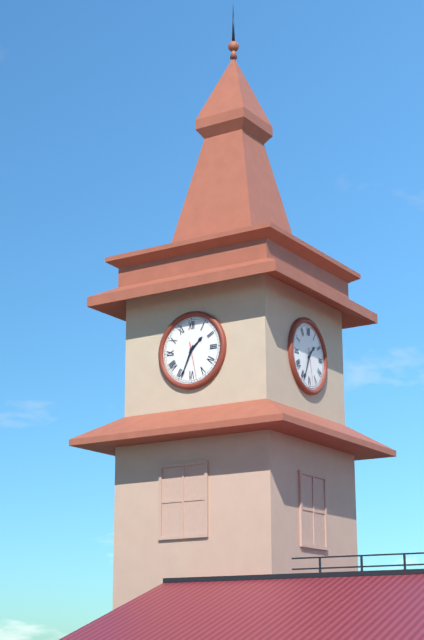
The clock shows h=1 m=34
